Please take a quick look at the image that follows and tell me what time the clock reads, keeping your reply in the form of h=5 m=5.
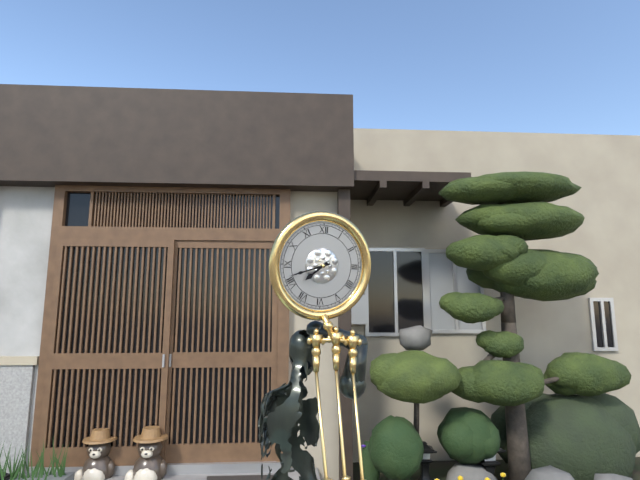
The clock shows h=7 m=42
